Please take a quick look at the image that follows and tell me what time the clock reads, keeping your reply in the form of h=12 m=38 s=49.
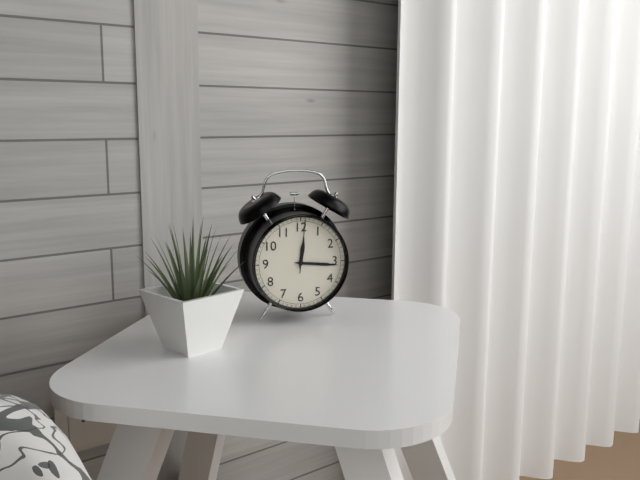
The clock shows h=12 m=16 s=1
